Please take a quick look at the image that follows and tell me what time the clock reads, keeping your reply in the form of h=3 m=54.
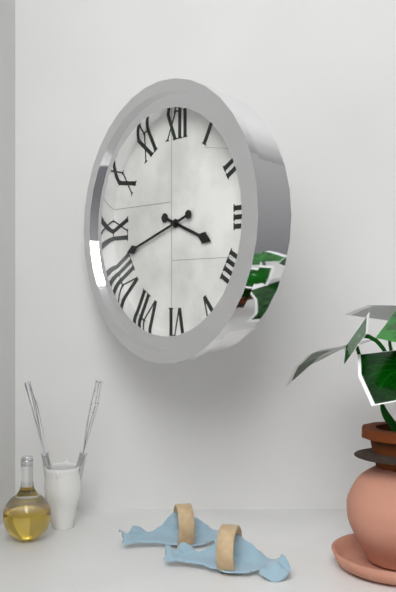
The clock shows h=3 m=42
